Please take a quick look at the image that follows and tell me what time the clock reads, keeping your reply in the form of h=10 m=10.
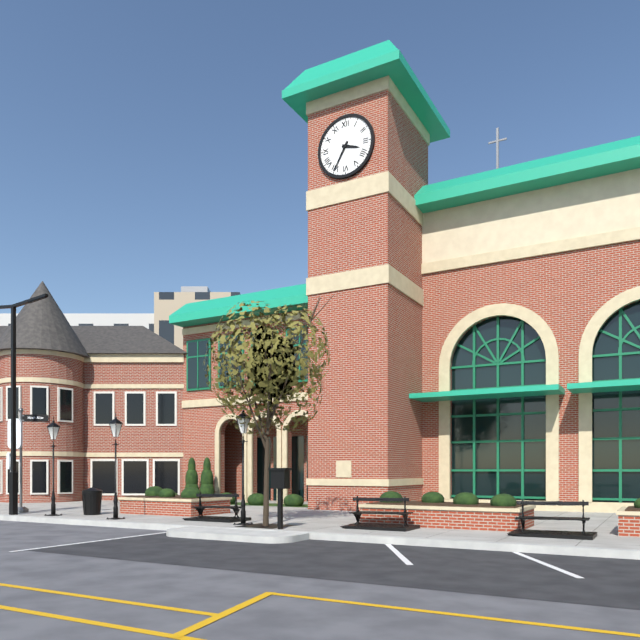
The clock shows h=3 m=35
